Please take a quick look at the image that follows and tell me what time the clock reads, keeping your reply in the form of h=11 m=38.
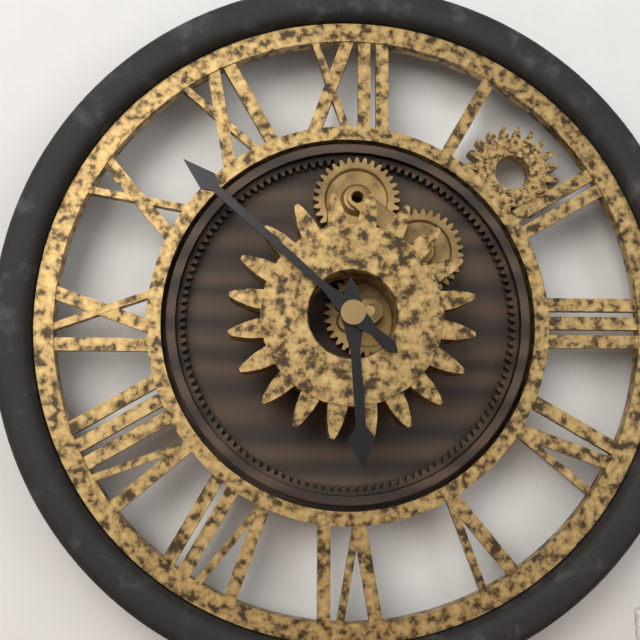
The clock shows h=5 m=52
